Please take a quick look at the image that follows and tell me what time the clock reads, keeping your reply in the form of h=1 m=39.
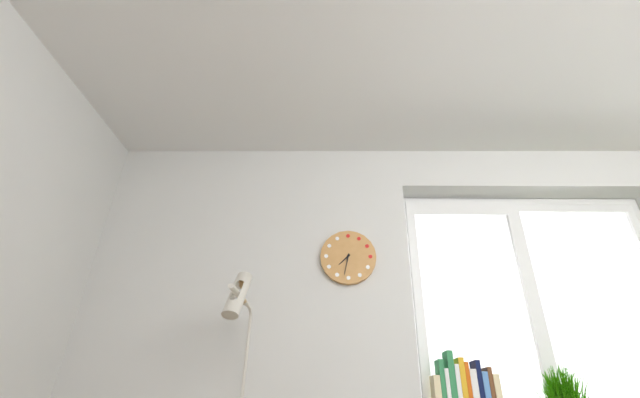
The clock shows h=7 m=32
